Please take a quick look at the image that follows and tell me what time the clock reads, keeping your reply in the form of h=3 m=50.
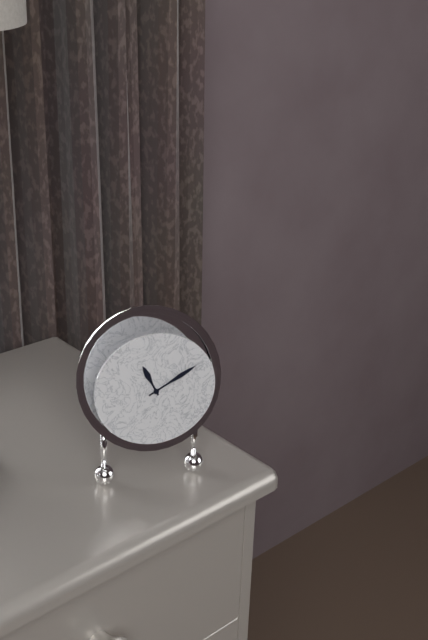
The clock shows h=11 m=10
